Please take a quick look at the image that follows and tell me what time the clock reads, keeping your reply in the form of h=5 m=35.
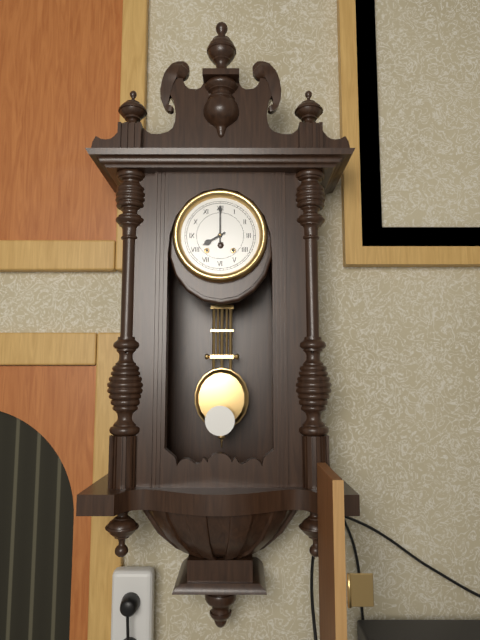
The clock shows h=8 m=0
